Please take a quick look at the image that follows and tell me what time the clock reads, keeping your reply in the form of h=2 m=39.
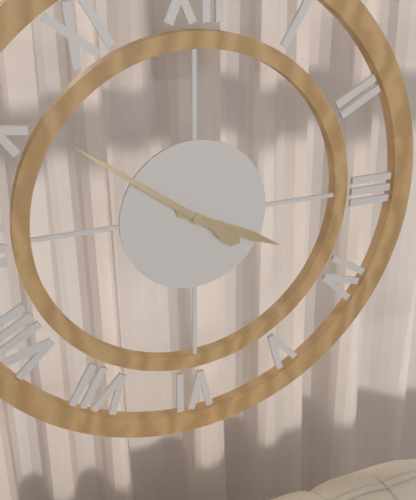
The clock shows h=3 m=51
